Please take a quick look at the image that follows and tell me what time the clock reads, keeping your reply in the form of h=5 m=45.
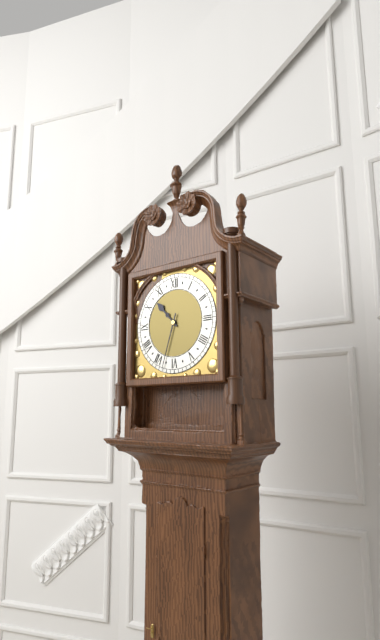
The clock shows h=10 m=33
